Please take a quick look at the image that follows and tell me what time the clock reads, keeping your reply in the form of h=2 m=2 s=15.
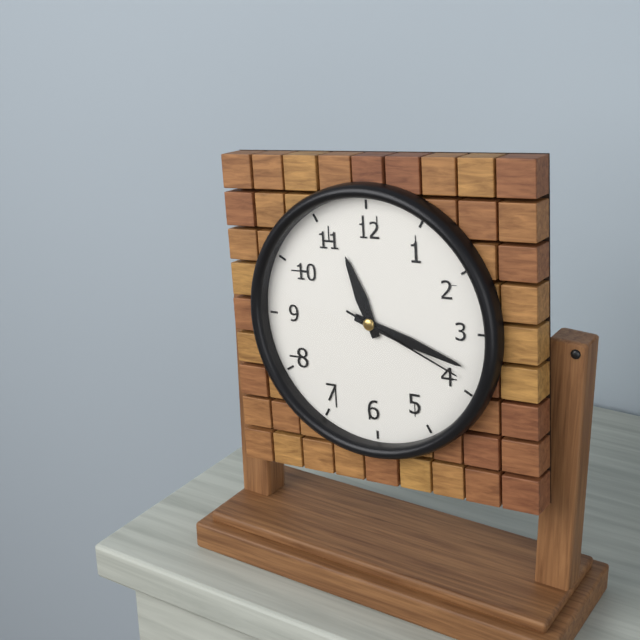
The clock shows h=11 m=18 s=19
